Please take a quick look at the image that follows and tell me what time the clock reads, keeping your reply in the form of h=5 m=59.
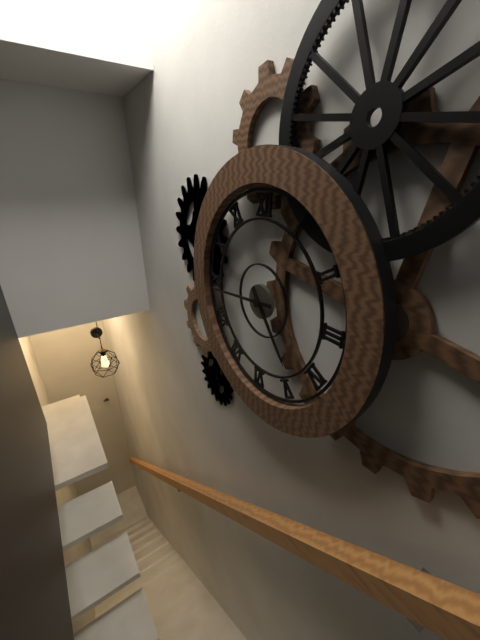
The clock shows h=4 m=44
